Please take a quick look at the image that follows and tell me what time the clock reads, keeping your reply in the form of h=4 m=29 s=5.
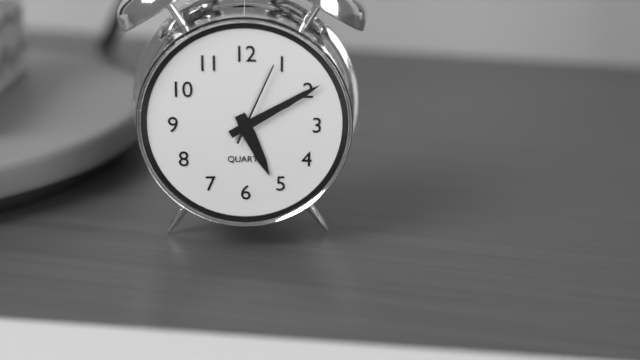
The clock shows h=5 m=10 s=4
